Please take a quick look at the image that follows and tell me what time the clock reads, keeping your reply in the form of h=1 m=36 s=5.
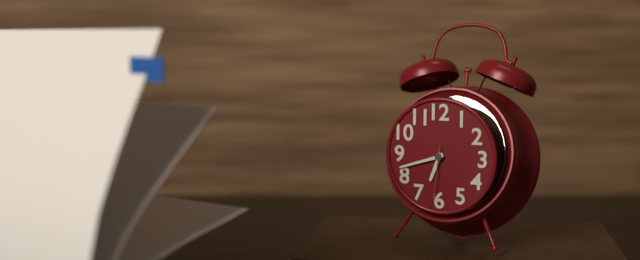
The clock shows h=6 m=42 s=31
